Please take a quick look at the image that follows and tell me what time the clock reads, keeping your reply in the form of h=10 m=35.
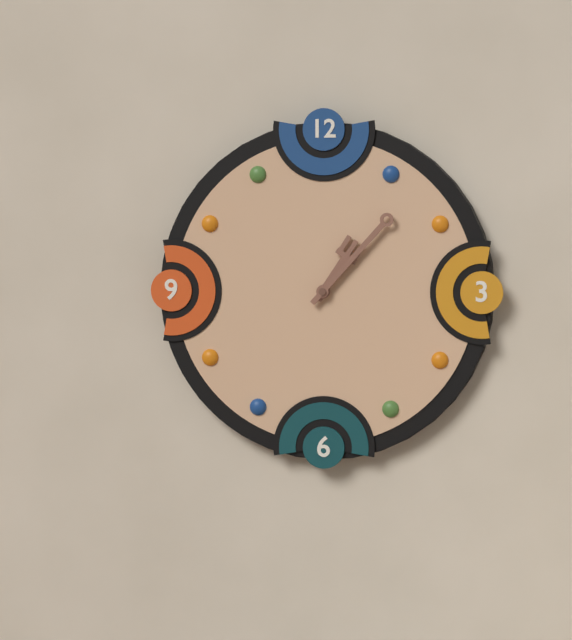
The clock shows h=1 m=7
